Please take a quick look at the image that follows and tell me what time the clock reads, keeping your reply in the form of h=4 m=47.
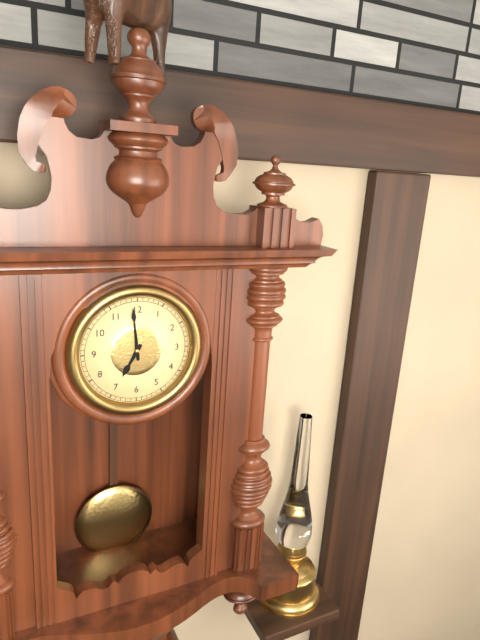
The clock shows h=6 m=59
